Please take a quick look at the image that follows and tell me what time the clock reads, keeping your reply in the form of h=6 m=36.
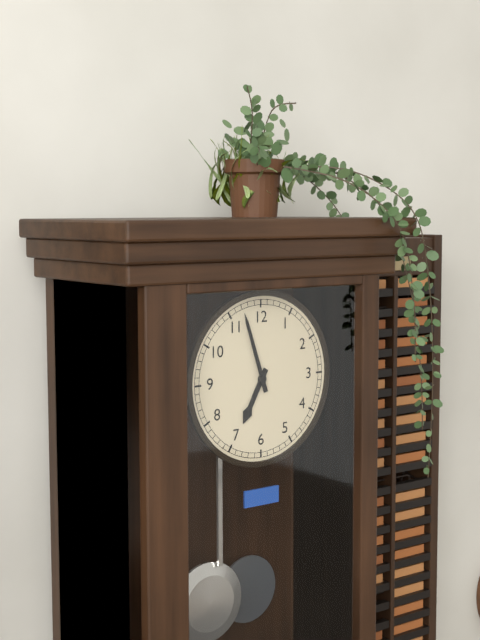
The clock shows h=6 m=57
